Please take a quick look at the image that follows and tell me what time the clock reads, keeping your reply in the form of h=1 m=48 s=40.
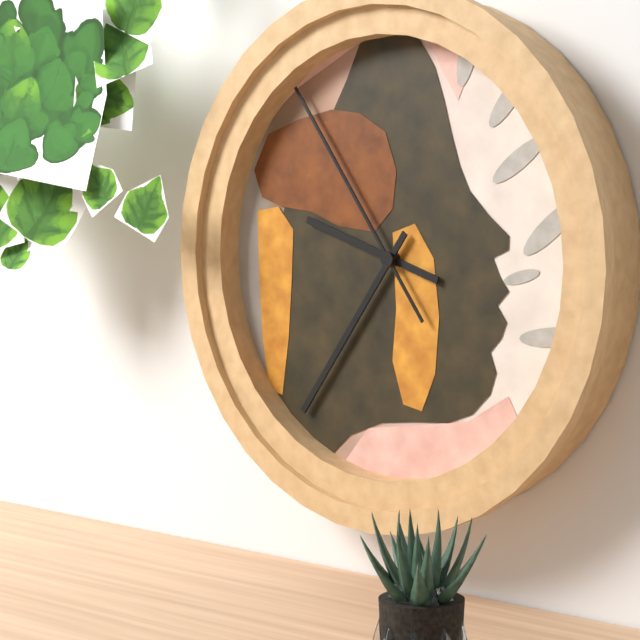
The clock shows h=9 m=36 s=54
